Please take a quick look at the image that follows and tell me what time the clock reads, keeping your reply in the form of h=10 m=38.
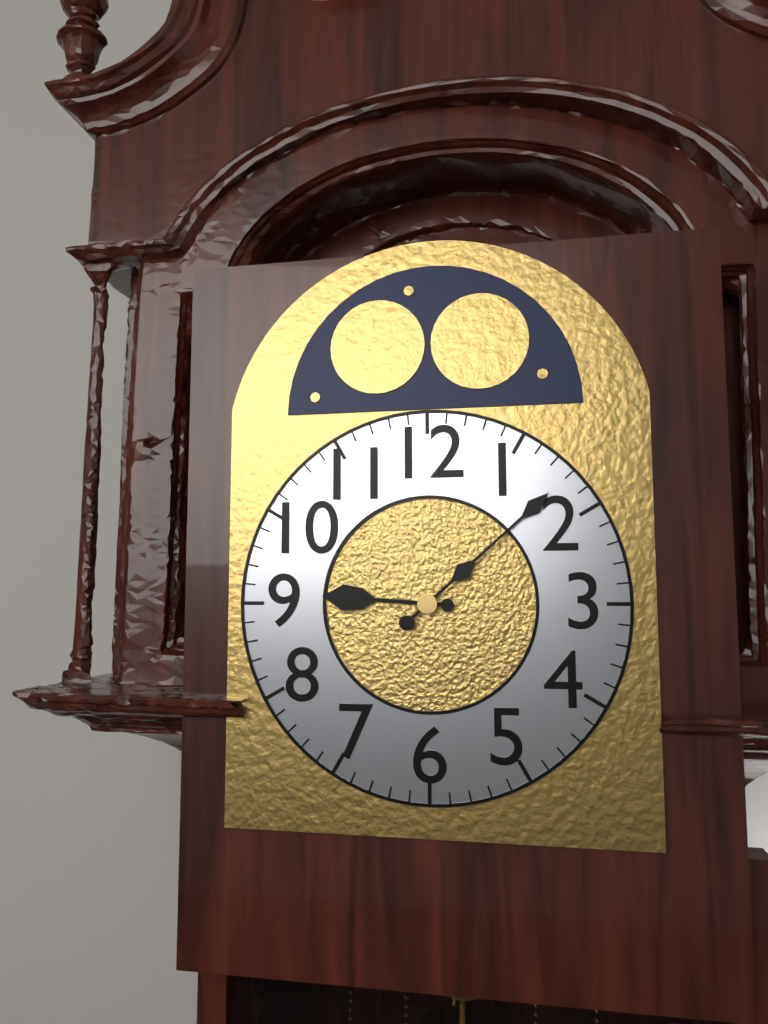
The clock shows h=9 m=8
